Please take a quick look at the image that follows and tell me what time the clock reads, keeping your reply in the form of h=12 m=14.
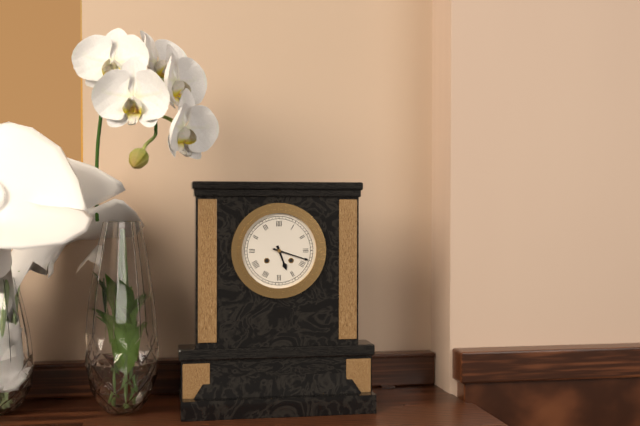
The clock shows h=5 m=18
